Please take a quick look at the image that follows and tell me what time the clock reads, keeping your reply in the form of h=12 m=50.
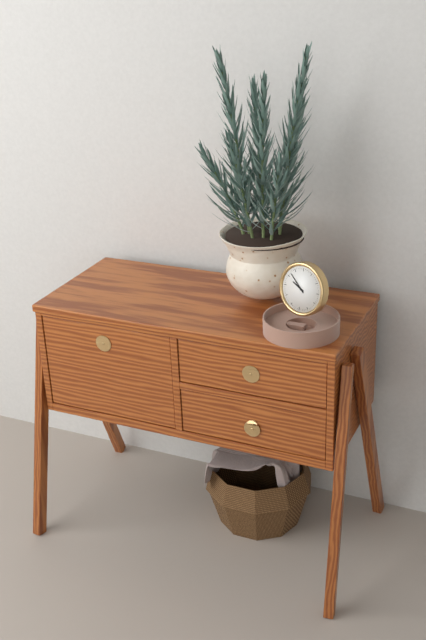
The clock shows h=9 m=52
